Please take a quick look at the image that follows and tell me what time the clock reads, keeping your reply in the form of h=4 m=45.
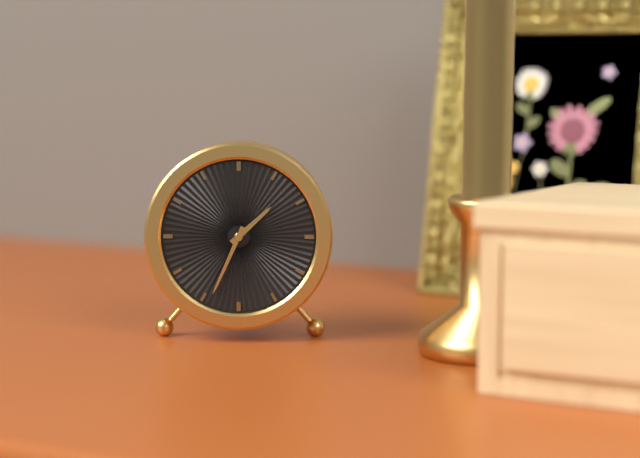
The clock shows h=1 m=34
